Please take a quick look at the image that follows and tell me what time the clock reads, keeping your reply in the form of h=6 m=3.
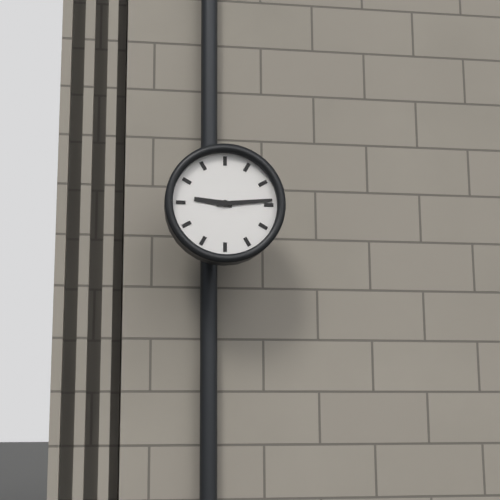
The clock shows h=9 m=14
